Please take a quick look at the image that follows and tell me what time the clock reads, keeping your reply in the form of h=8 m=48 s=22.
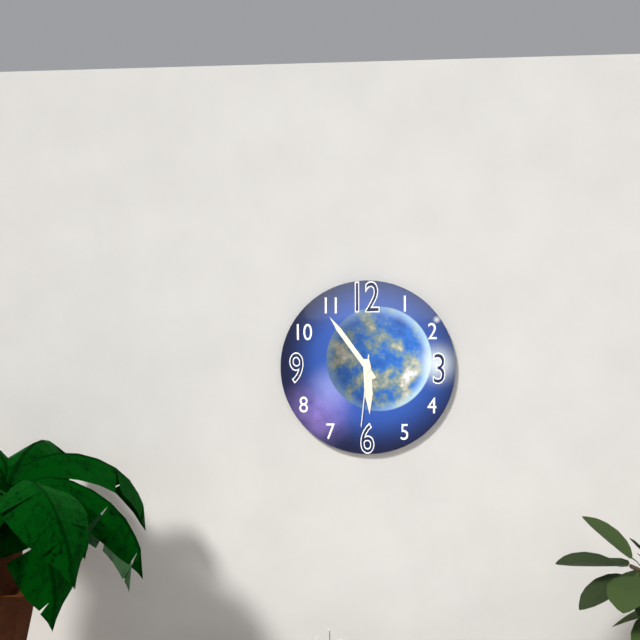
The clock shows h=5 m=54 s=31
